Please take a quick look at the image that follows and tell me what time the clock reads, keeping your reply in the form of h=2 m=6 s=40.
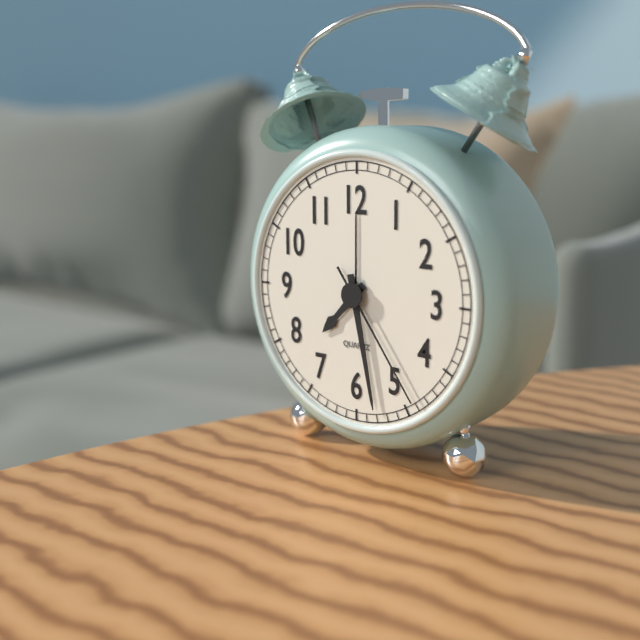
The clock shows h=7 m=28 s=24
